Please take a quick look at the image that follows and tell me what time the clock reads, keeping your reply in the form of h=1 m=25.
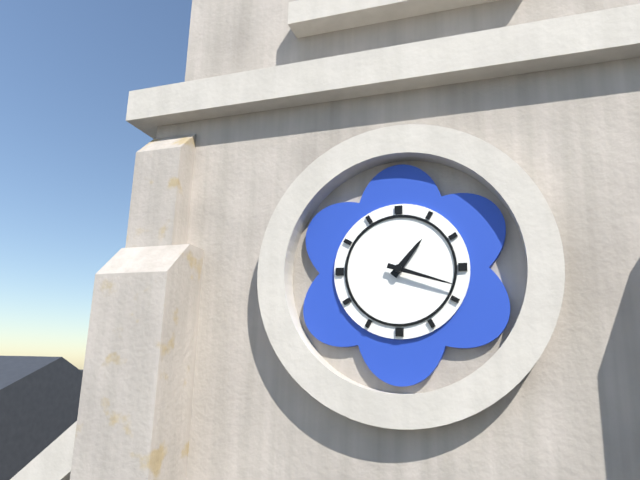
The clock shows h=1 m=18
